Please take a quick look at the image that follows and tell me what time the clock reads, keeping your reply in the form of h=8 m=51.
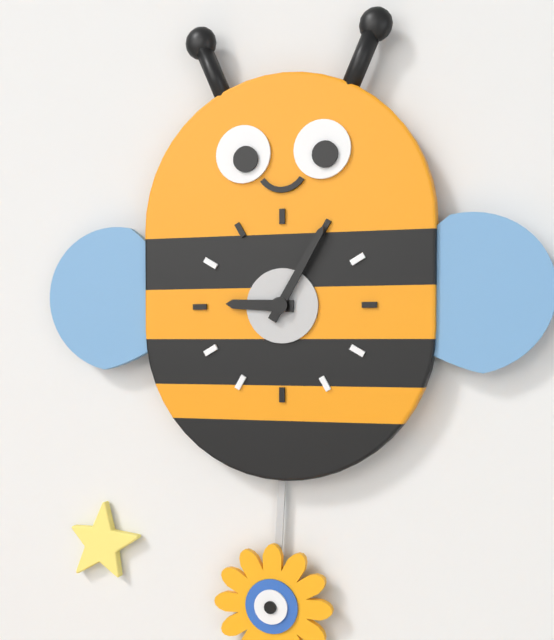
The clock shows h=9 m=5
